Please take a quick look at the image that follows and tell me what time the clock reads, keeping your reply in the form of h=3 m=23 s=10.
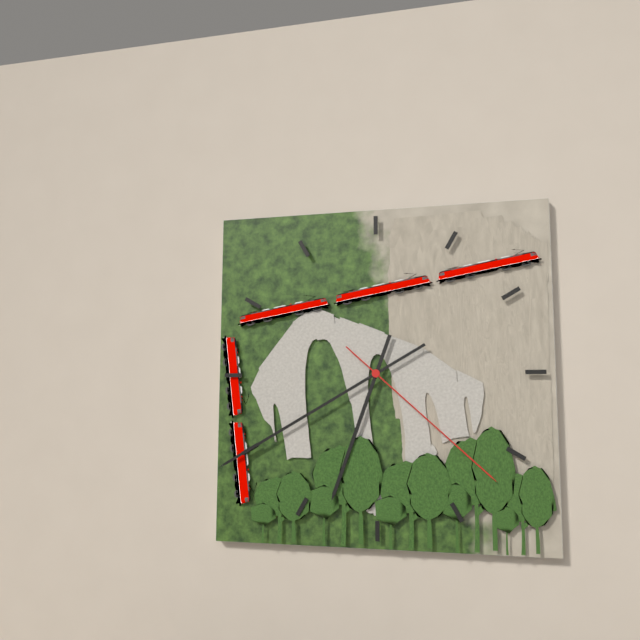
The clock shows h=6 m=40 s=22
